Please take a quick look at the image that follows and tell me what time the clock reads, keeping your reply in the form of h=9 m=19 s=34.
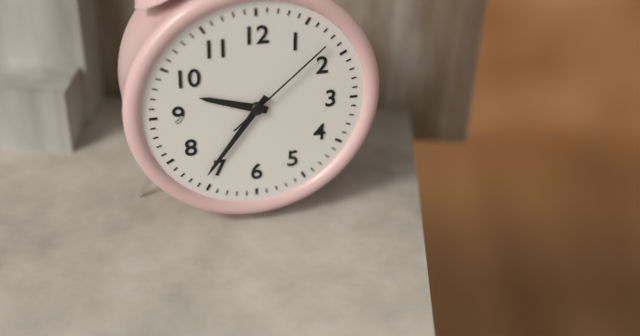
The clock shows h=9 m=36 s=8
